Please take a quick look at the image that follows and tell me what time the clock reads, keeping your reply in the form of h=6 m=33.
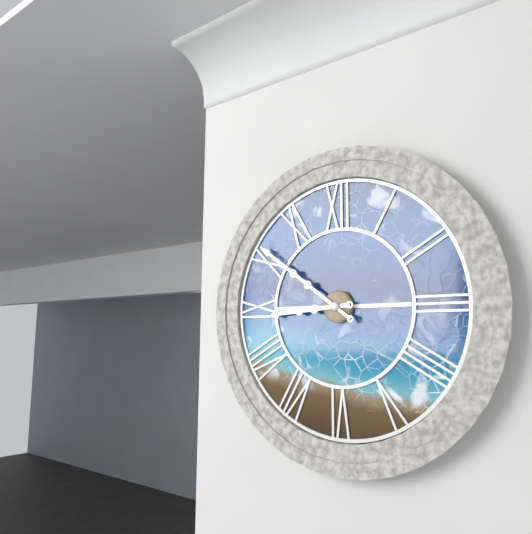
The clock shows h=8 m=51
